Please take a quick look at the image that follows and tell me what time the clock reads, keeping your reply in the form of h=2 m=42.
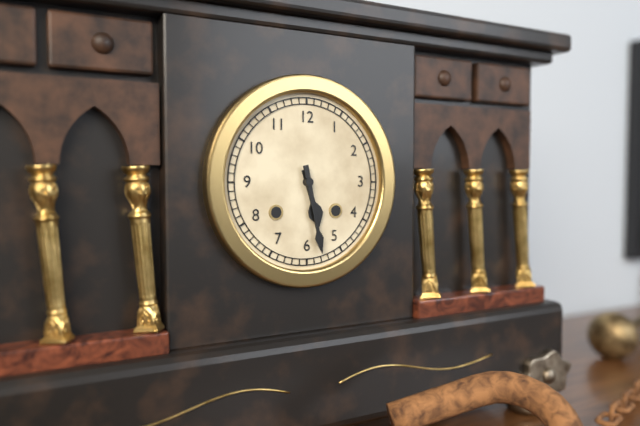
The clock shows h=5 m=28
